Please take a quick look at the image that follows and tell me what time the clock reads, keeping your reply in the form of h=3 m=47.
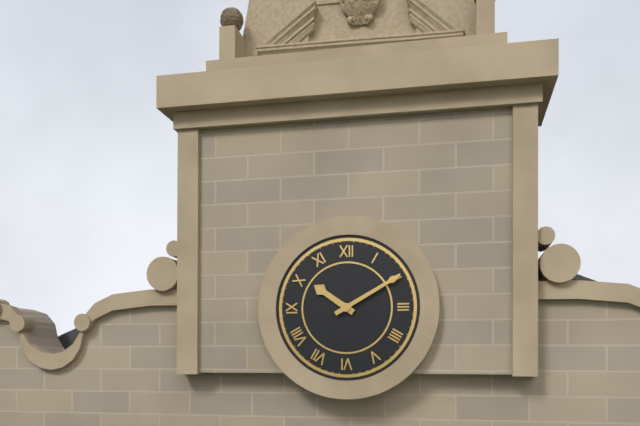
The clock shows h=10 m=10
